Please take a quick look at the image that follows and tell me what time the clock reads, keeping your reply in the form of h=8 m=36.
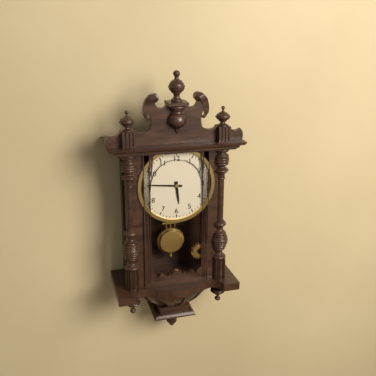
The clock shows h=5 m=46
